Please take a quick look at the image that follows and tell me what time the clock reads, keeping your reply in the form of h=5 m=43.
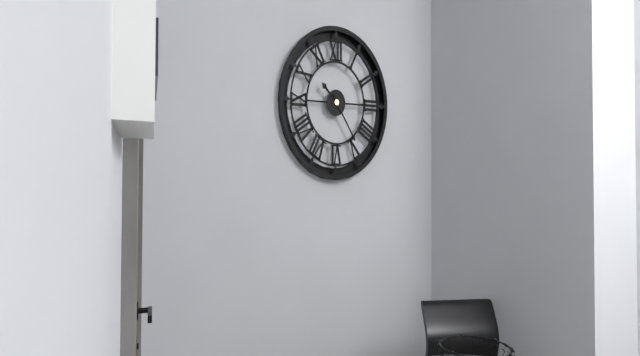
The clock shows h=10 m=24
